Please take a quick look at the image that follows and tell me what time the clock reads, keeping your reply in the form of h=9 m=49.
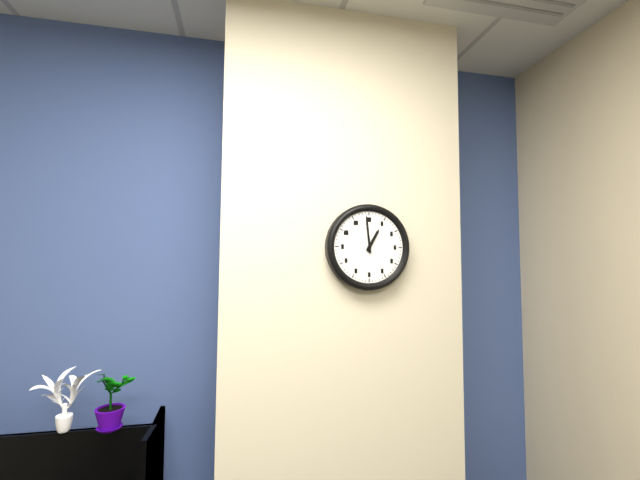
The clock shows h=12 m=59
